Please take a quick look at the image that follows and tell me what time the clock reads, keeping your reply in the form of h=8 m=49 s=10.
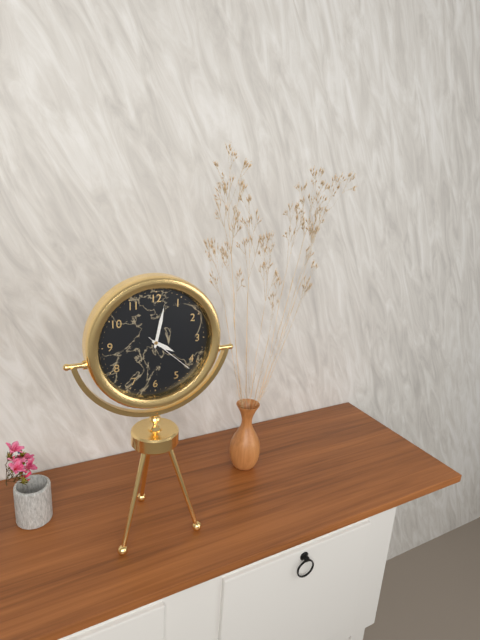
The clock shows h=4 m=2 s=22
